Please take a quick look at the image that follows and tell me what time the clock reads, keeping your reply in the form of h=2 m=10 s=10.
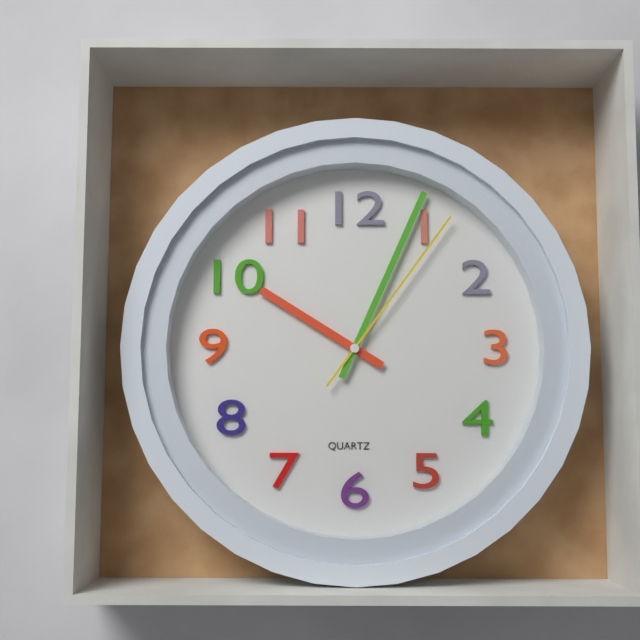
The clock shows h=10 m=4 s=6
